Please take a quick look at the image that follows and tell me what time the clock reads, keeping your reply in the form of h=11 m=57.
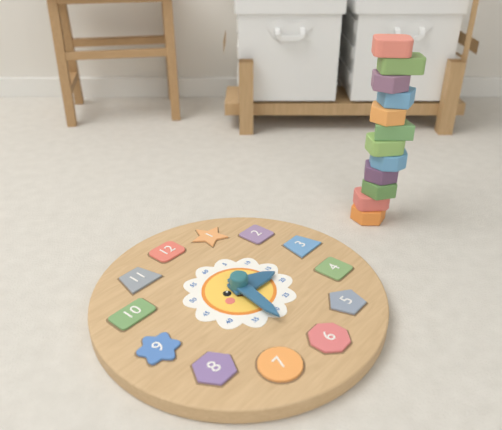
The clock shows h=3 m=32
